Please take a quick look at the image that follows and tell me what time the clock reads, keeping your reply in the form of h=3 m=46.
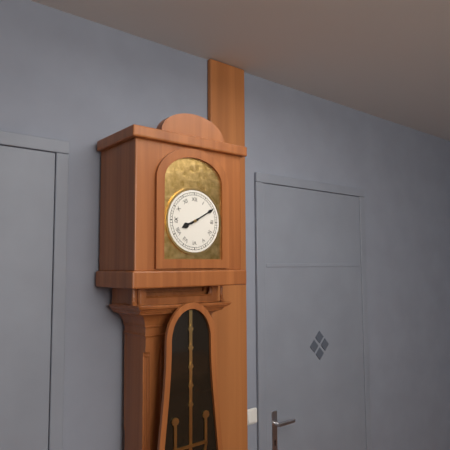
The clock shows h=8 m=10
